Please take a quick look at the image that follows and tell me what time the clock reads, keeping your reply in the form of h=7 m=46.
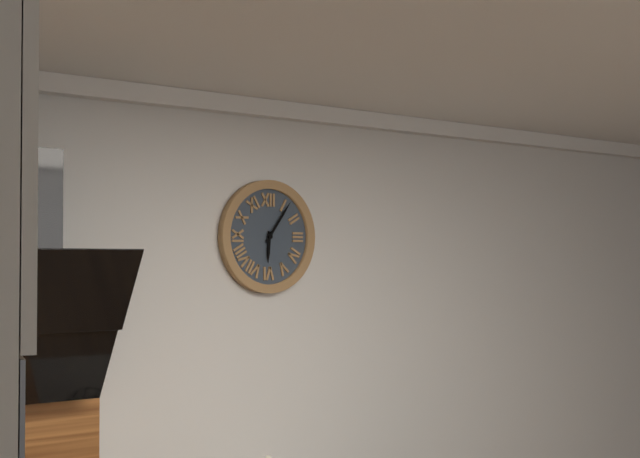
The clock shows h=6 m=6
